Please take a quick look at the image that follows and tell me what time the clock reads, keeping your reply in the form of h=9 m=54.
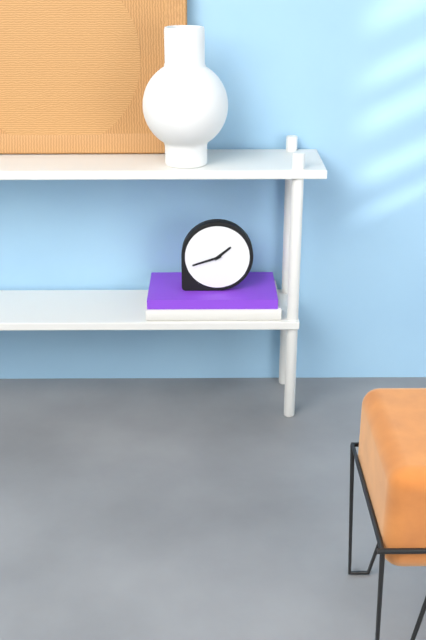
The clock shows h=1 m=42
